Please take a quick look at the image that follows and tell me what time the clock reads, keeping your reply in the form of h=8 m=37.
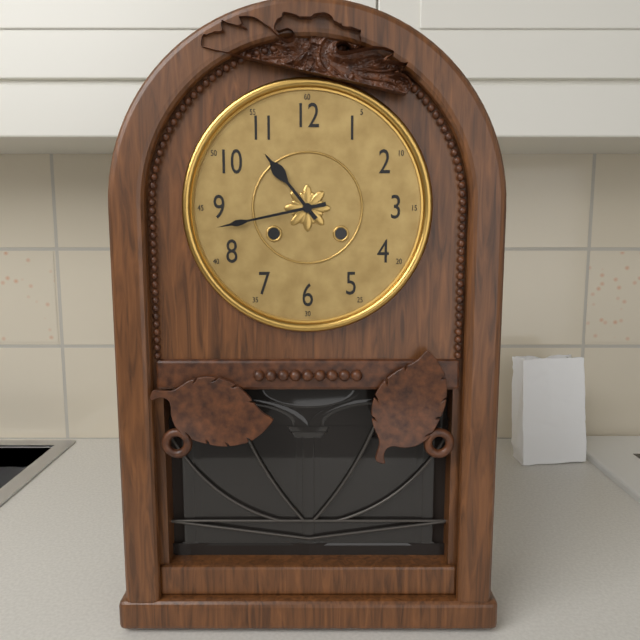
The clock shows h=10 m=43
